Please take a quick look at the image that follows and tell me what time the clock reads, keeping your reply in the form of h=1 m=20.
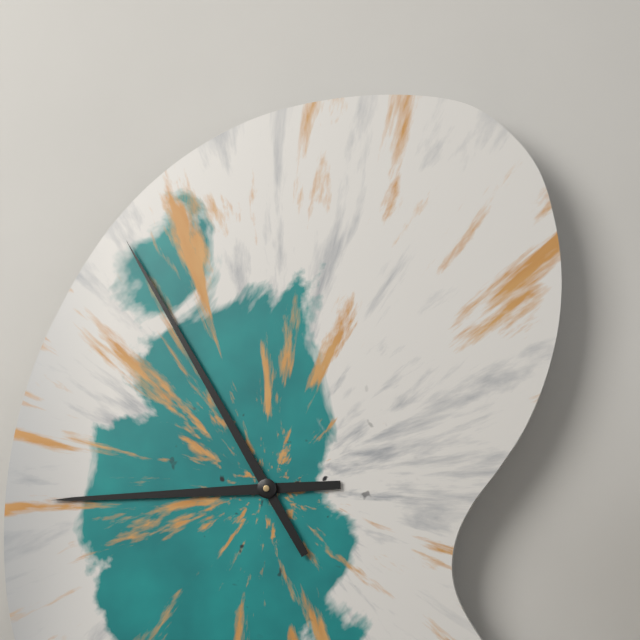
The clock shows h=8 m=55
